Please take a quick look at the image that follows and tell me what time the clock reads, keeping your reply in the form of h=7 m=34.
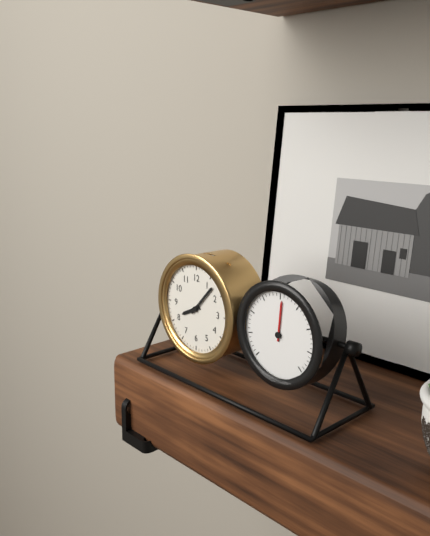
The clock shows h=8 m=7
